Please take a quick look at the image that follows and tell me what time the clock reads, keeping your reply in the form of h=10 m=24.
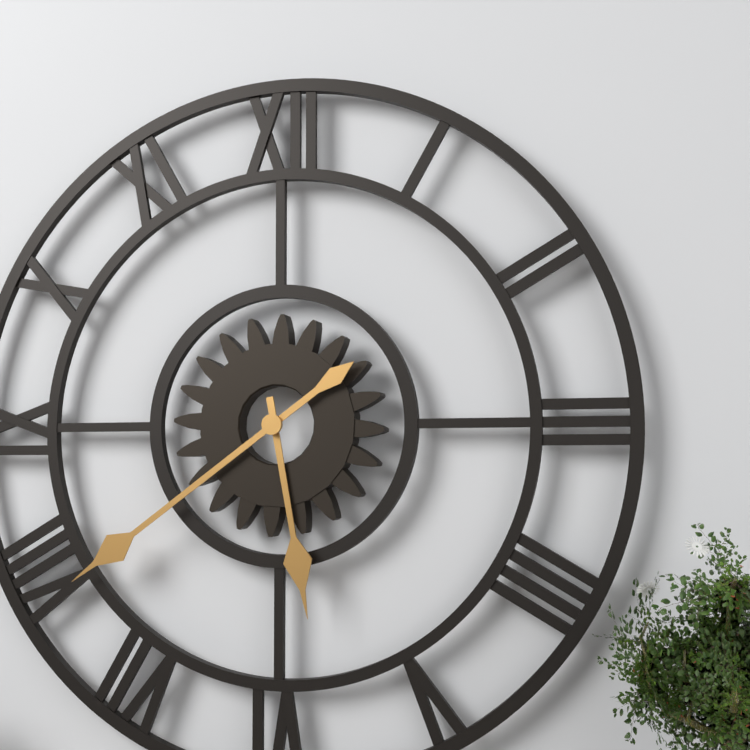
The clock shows h=5 m=39
